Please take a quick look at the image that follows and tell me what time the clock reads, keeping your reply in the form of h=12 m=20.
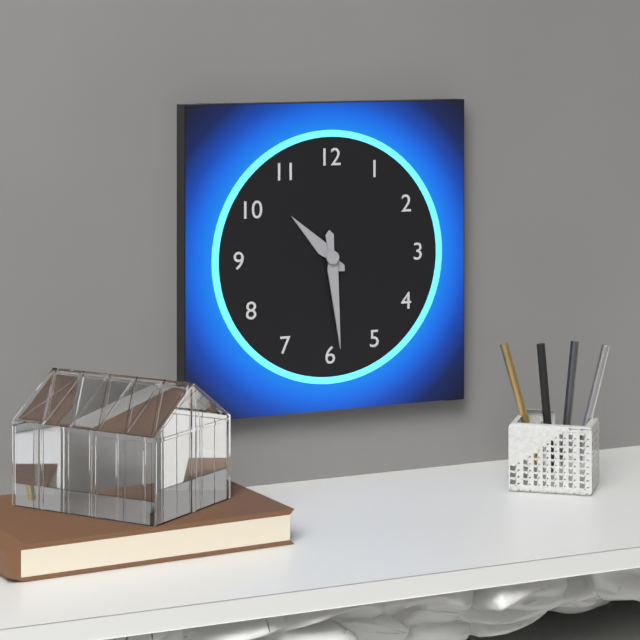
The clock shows h=10 m=29
